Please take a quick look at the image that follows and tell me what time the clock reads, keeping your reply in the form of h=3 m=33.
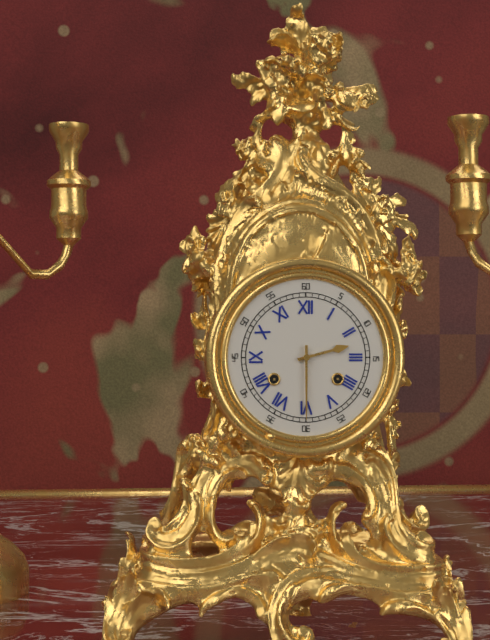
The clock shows h=2 m=30
